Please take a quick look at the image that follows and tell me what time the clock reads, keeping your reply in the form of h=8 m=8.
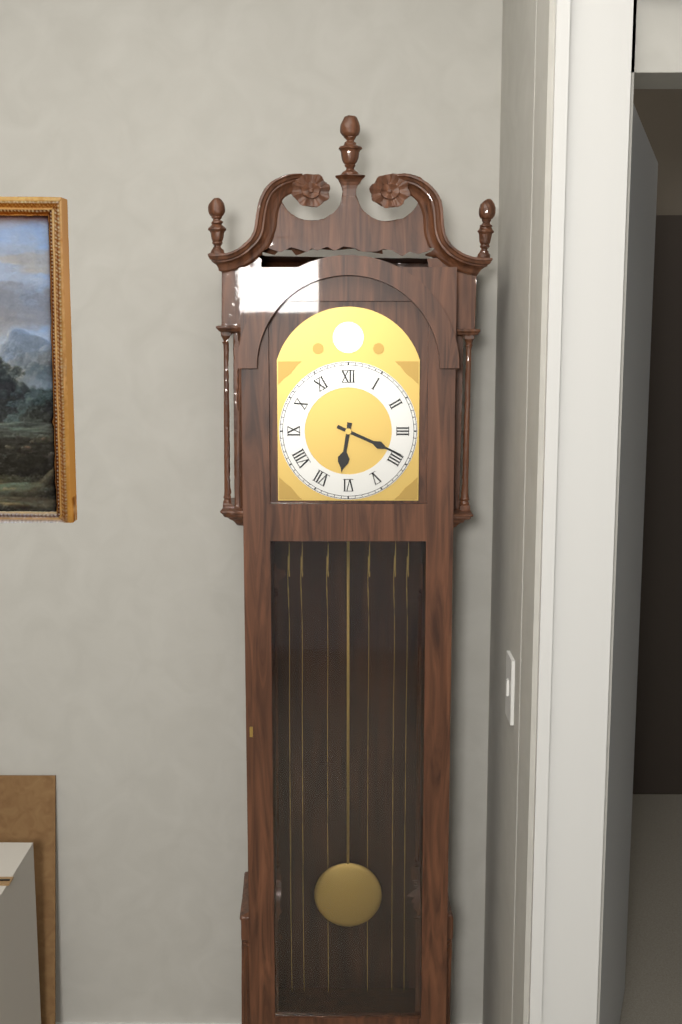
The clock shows h=6 m=19
